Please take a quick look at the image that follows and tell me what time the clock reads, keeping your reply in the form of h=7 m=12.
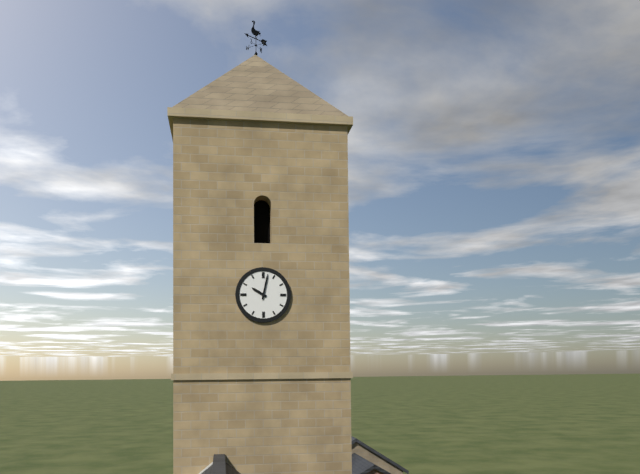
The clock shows h=10 m=2
